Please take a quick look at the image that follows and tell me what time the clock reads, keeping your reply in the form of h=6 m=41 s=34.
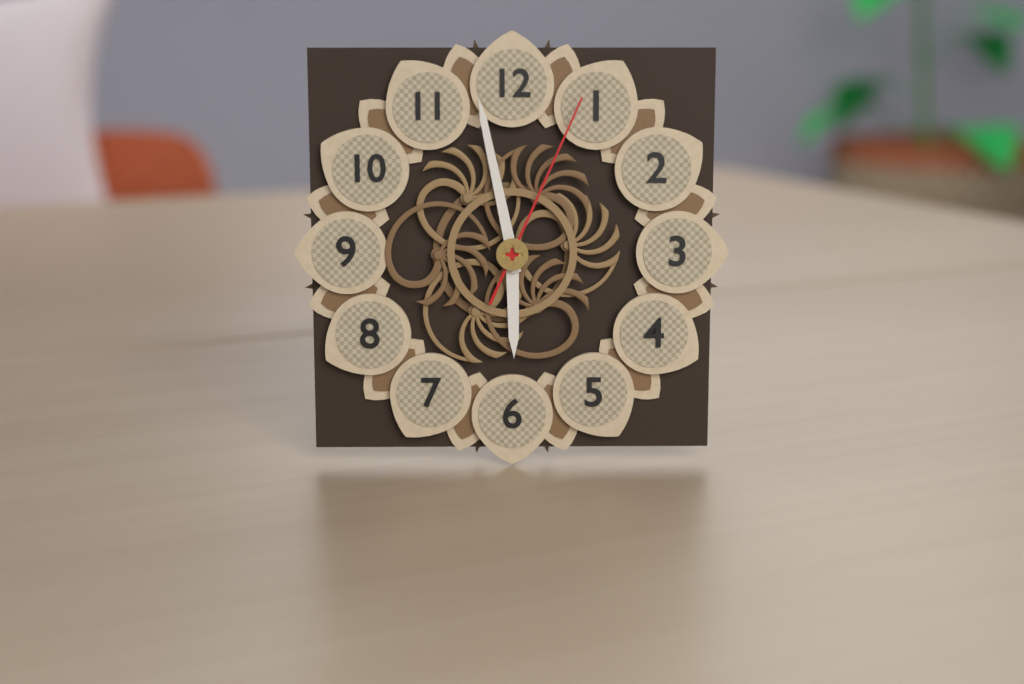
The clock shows h=5 m=58 s=4
